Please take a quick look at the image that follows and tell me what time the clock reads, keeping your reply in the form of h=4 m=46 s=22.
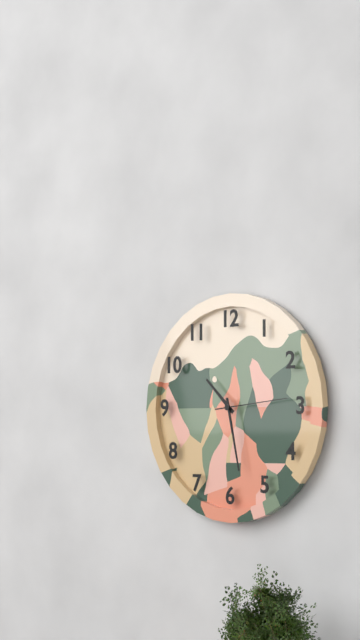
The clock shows h=10 m=28 s=14
